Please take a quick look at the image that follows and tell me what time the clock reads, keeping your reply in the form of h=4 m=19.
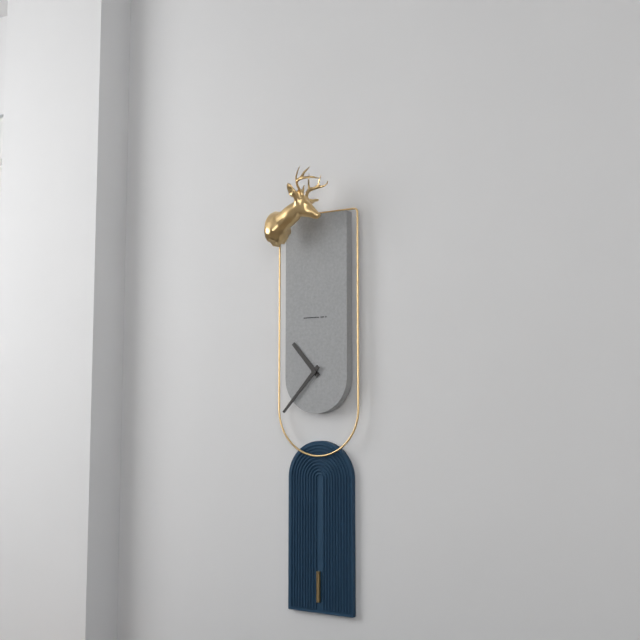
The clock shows h=10 m=37
